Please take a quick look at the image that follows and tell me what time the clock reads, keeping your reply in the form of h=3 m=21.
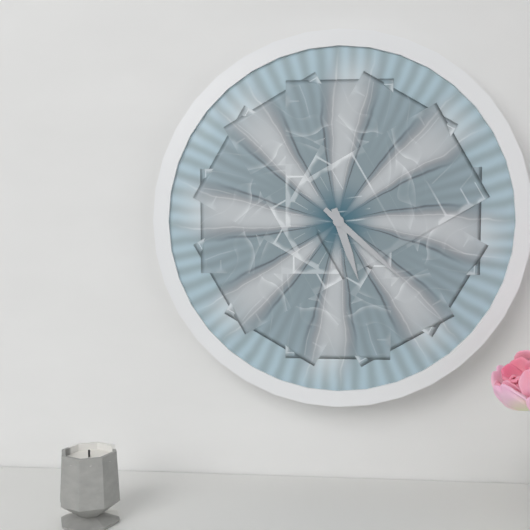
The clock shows h=5 m=22
